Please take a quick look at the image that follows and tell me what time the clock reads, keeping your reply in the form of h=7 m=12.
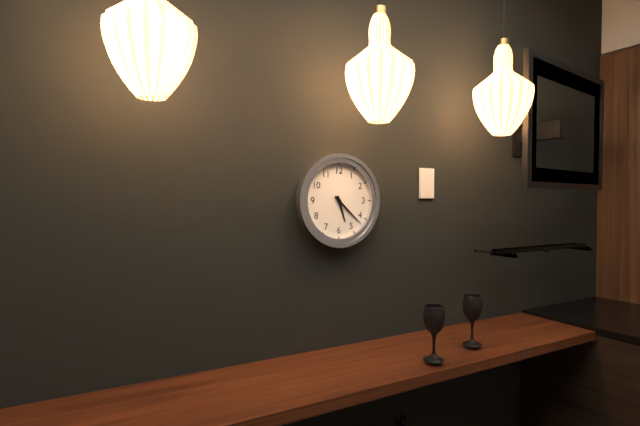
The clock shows h=5 m=22
